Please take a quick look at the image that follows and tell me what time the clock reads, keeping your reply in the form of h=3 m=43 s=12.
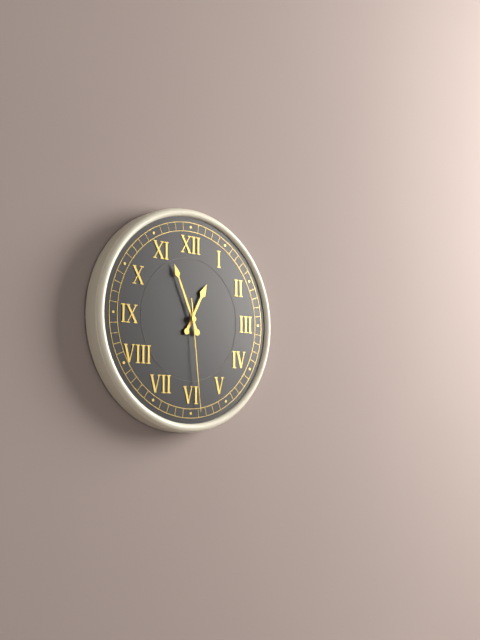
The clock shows h=12 m=56 s=29
